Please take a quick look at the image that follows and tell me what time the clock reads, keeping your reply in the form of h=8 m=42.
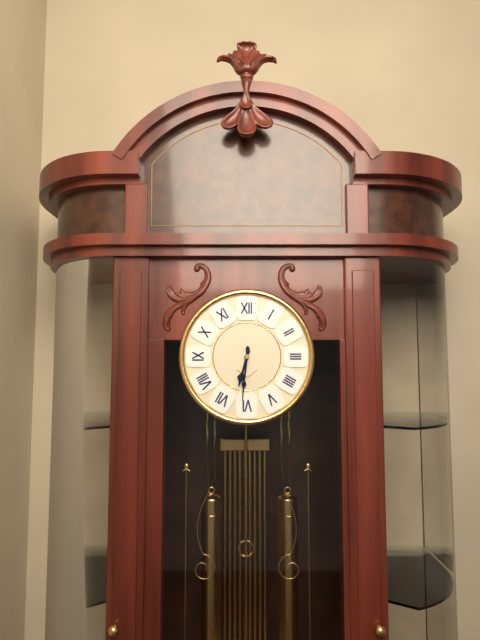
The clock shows h=6 m=31
